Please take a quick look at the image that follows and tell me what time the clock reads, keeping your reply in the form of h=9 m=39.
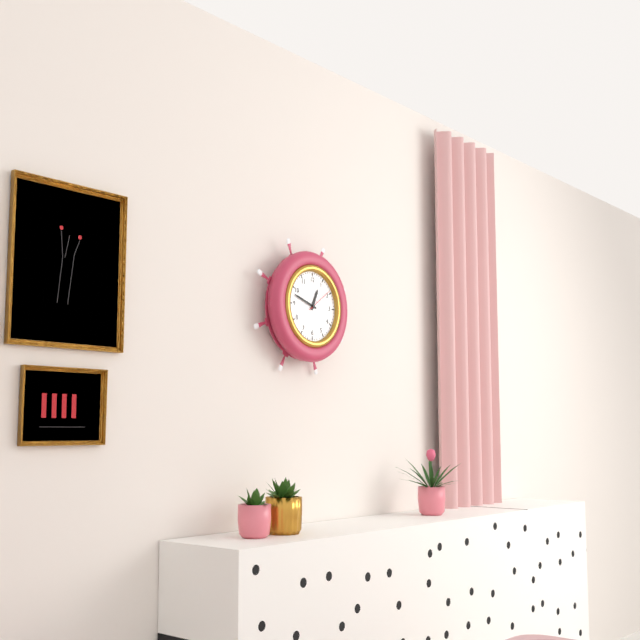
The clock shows h=12 m=48
